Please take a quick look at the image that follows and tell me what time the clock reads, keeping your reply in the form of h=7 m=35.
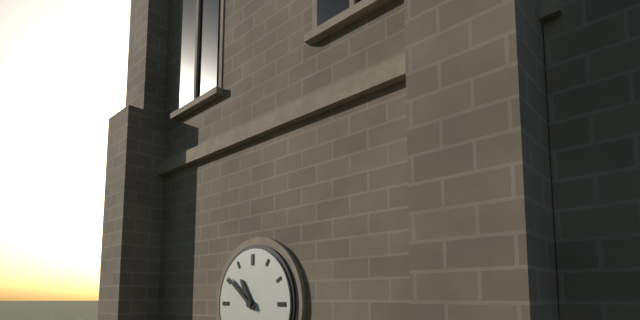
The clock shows h=10 m=51
